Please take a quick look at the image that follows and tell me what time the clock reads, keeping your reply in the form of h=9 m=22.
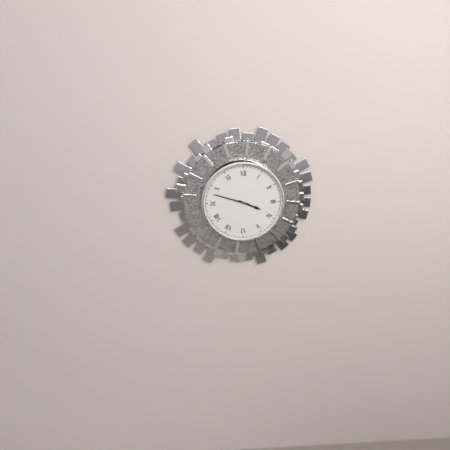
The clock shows h=3 m=48
